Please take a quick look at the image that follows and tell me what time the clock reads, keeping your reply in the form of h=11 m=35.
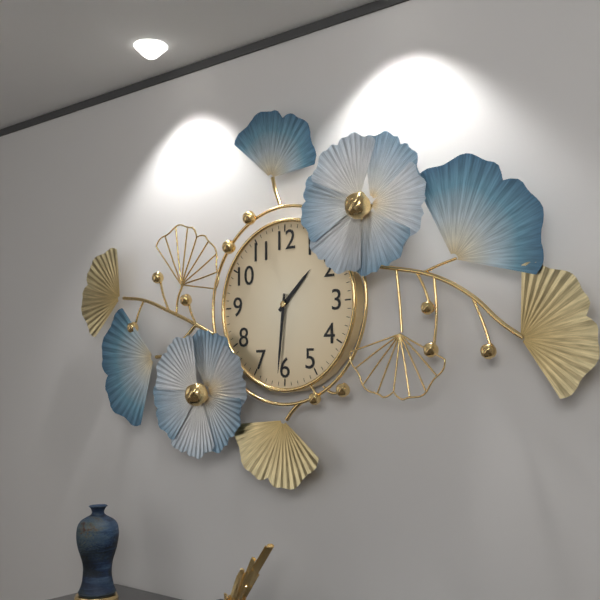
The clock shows h=1 m=31
